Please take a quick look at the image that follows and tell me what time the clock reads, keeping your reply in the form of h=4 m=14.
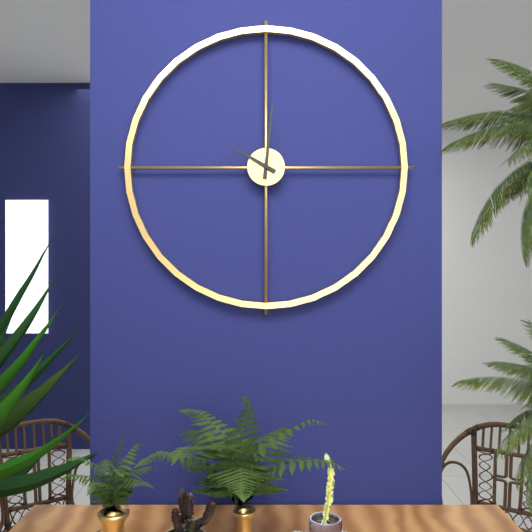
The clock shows h=10 m=1
